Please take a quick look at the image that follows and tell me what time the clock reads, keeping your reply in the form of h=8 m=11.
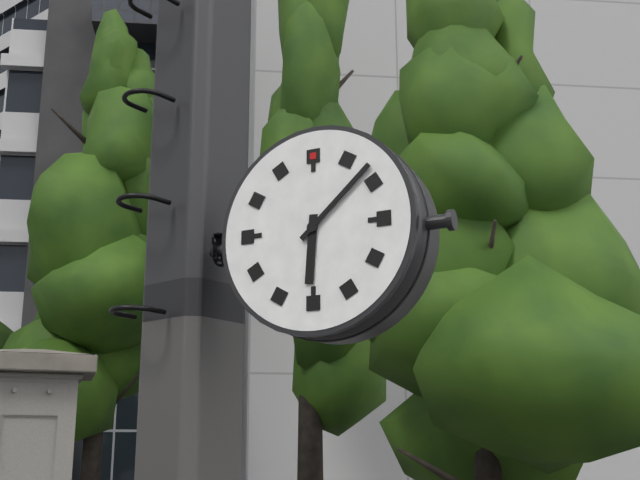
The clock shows h=6 m=8
